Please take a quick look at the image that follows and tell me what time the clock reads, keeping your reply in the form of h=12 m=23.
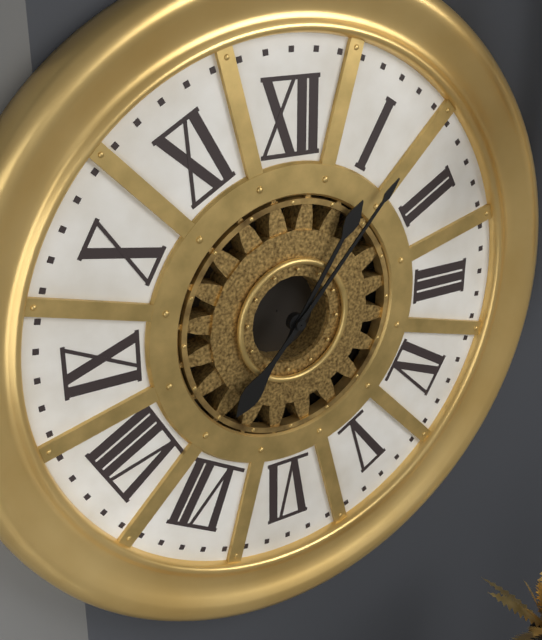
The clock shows h=1 m=7
